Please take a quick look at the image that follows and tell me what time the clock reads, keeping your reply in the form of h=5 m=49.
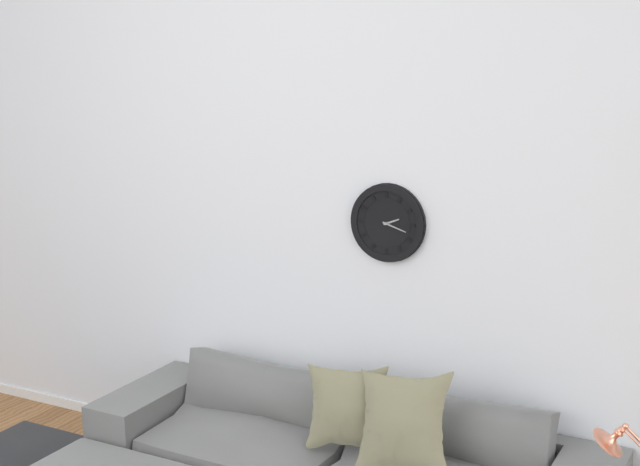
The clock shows h=2 m=18
